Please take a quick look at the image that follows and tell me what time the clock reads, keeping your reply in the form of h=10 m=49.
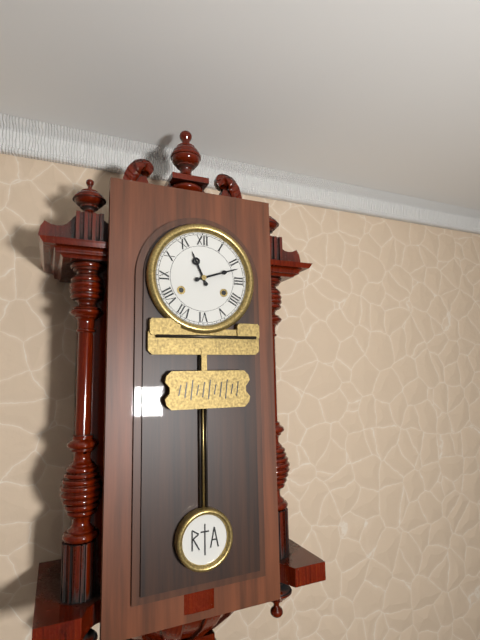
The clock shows h=11 m=12
